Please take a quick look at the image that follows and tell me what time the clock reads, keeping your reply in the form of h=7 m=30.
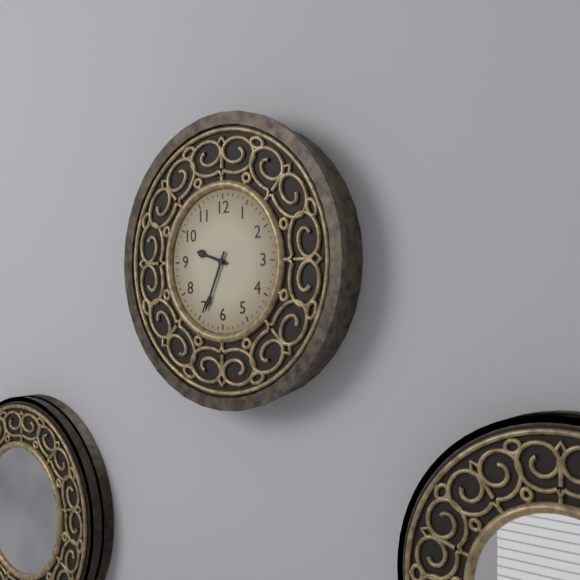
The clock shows h=9 m=34
